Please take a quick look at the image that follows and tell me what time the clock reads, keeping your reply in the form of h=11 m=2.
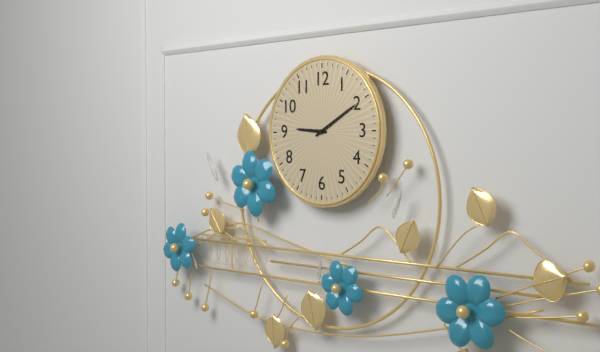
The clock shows h=9 m=10
